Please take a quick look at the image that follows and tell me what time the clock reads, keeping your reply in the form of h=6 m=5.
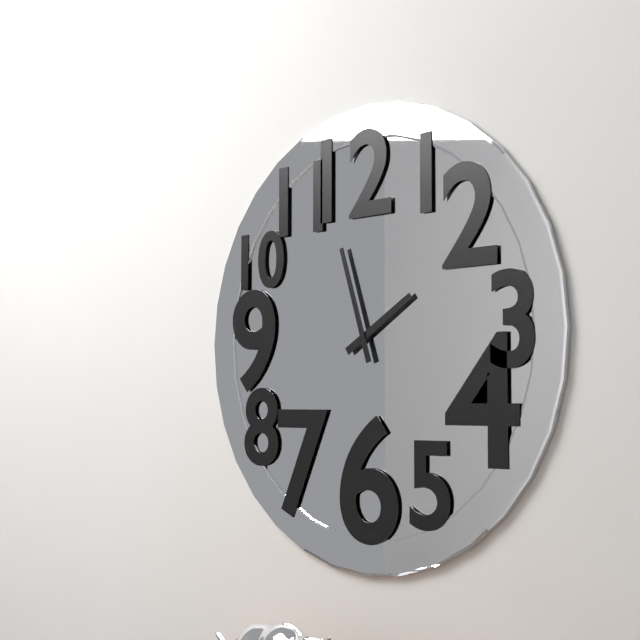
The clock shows h=1 m=57
